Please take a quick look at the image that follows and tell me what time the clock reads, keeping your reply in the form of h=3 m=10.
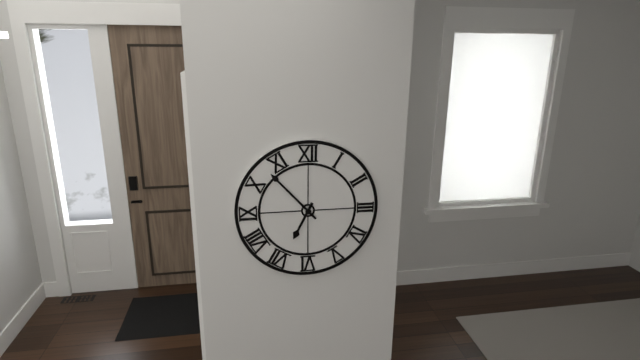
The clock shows h=6 m=53
